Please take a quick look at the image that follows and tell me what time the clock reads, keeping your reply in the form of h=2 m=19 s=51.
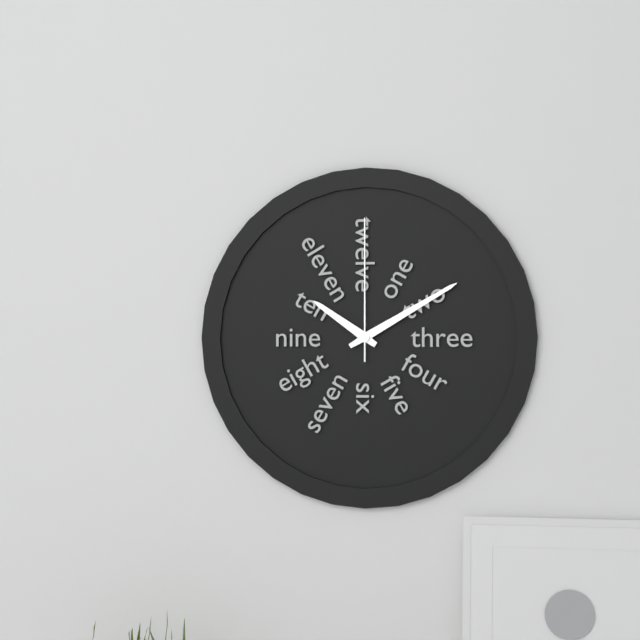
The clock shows h=10 m=10 s=0
